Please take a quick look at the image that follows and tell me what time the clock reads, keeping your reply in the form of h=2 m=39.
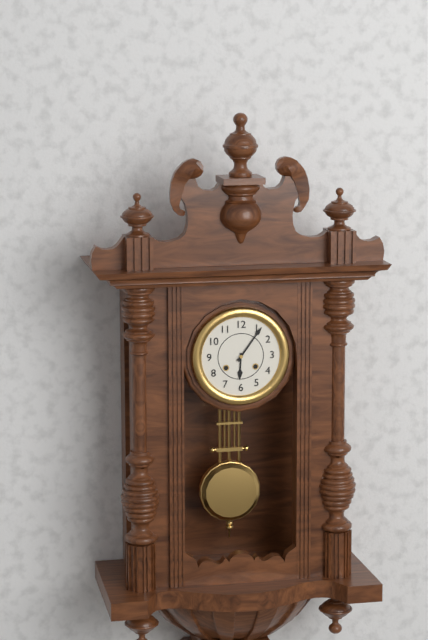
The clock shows h=6 m=6
